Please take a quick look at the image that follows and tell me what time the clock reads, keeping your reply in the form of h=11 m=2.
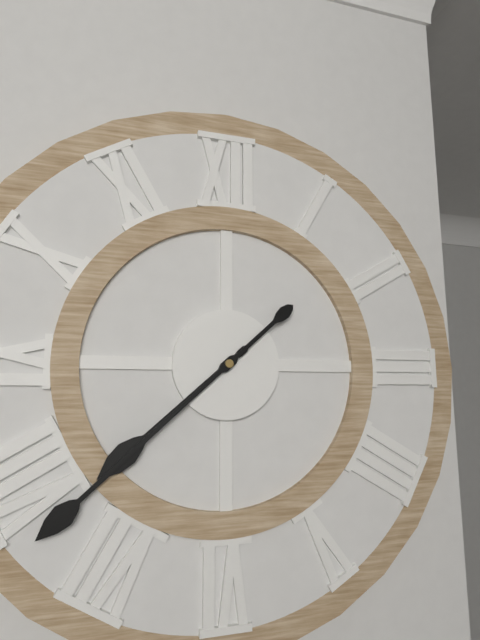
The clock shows h=7 m=38
